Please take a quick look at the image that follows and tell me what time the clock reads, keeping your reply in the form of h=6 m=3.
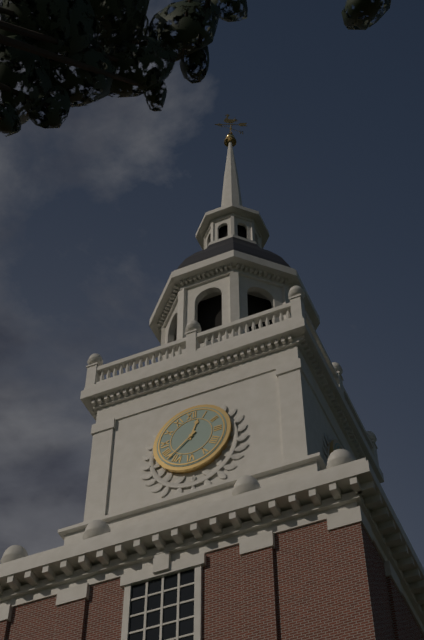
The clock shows h=12 m=38
